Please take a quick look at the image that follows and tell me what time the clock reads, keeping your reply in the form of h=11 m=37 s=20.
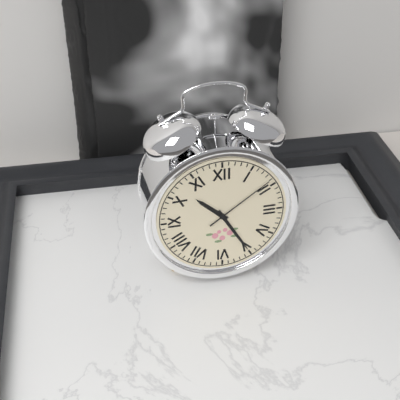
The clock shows h=10 m=25 s=9
